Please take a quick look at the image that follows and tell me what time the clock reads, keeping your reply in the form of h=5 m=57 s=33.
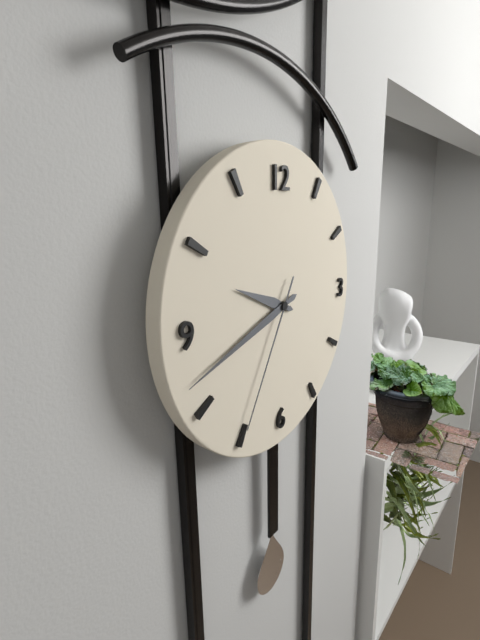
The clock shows h=9 m=42 s=35
